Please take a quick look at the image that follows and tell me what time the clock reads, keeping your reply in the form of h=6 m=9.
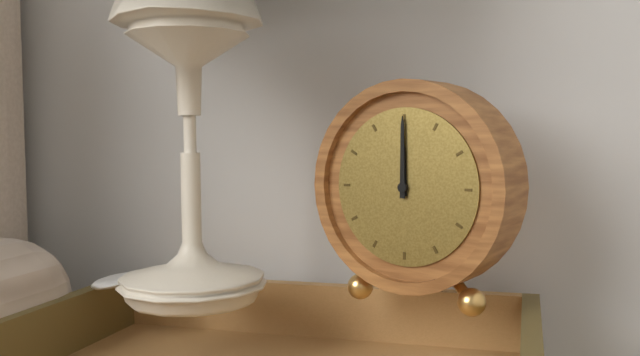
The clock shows h=12 m=0
